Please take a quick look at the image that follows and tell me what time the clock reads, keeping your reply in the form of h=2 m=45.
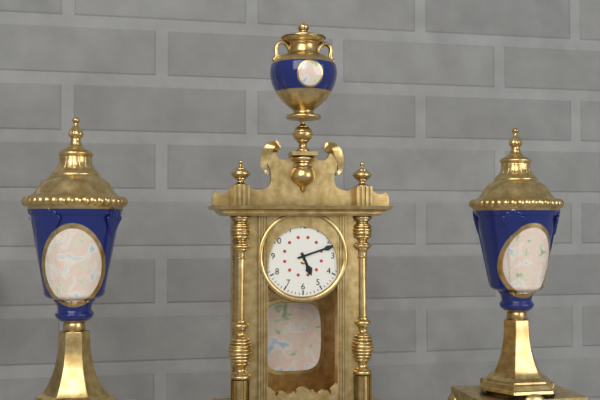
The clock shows h=5 m=12
